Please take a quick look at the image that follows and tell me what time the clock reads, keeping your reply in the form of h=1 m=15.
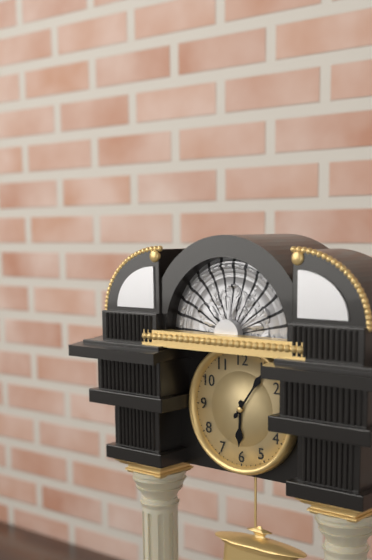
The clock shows h=6 m=6
